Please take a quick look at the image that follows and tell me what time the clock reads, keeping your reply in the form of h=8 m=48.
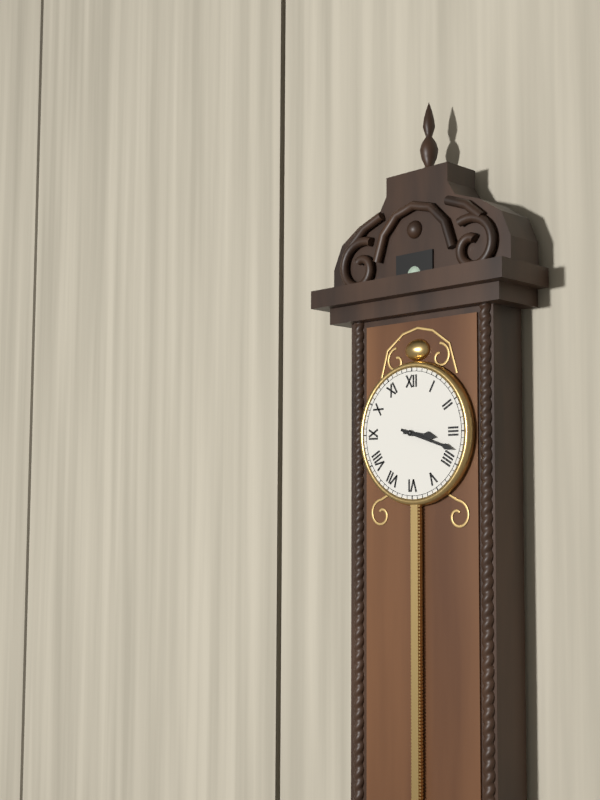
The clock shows h=3 m=18
